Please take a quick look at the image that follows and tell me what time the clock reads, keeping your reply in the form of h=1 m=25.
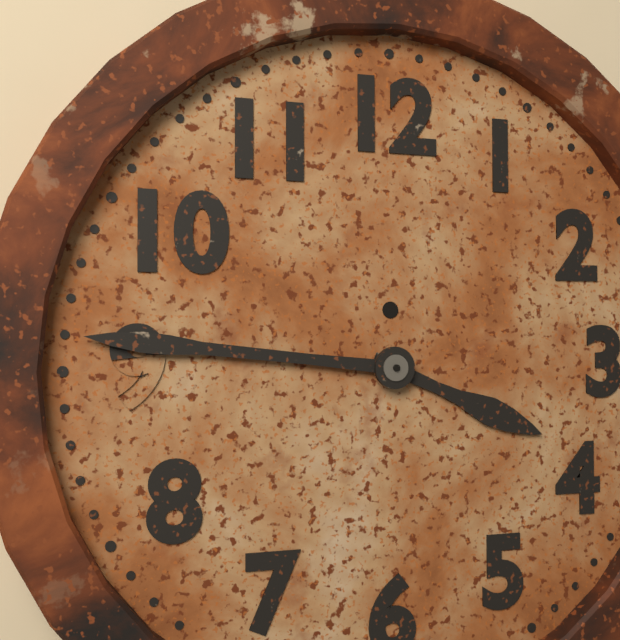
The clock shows h=3 m=46
